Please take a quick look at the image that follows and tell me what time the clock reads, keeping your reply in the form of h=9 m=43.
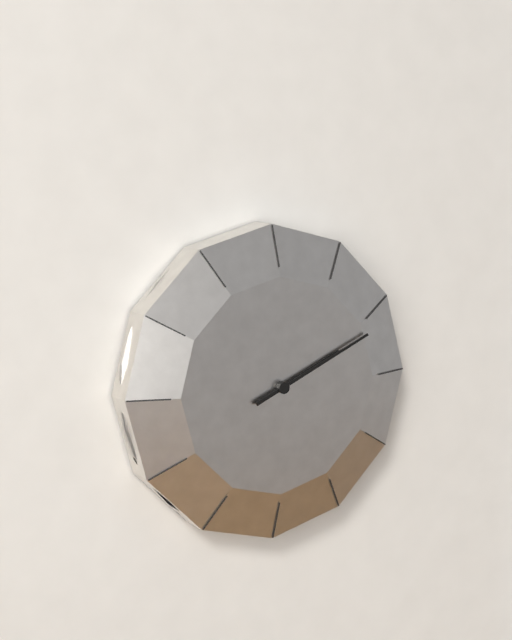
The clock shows h=2 m=11
